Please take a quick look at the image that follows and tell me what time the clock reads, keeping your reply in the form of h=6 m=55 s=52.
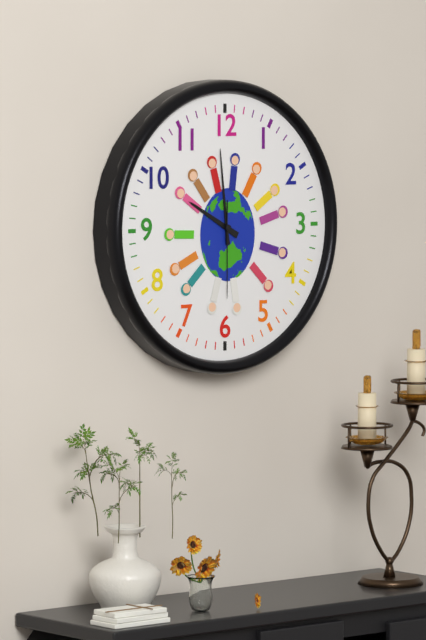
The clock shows h=9 m=59 s=30
